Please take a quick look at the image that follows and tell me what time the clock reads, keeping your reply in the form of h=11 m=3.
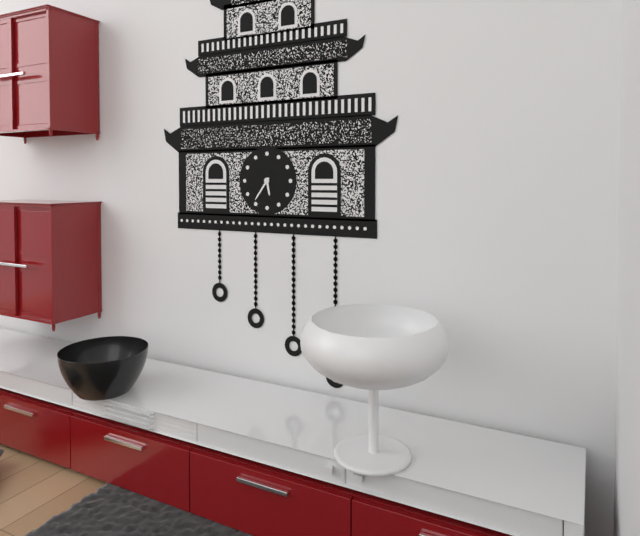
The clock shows h=5 m=36
